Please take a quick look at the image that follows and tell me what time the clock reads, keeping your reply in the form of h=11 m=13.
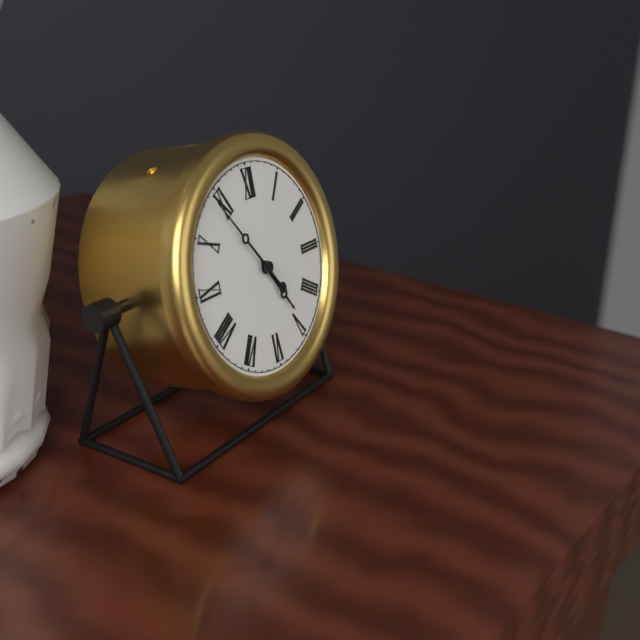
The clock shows h=4 m=54
